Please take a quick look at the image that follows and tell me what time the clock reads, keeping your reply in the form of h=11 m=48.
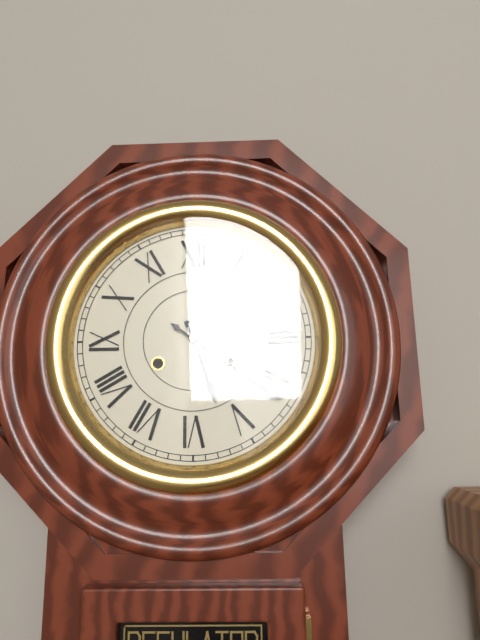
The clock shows h=5 m=21
